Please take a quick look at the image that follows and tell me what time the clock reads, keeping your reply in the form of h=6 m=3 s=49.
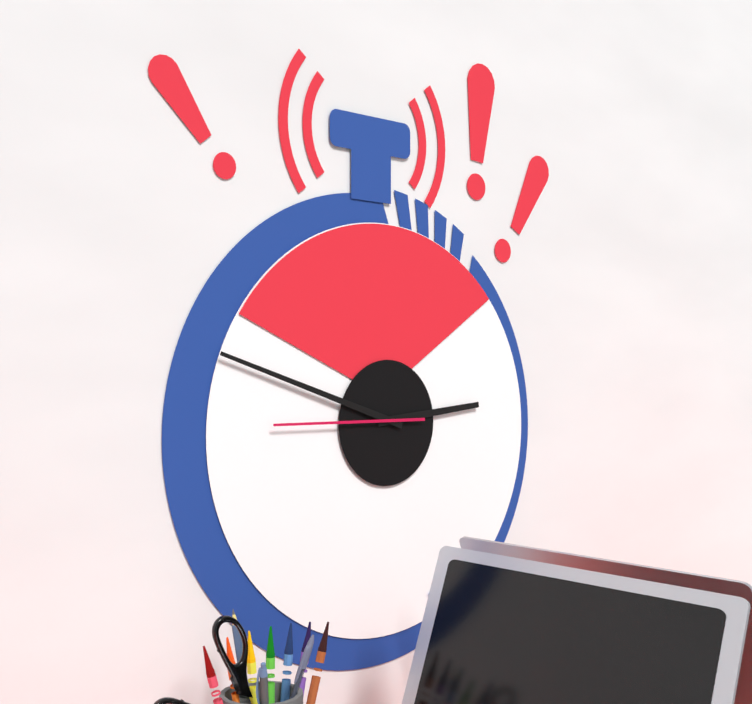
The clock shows h=2 m=48 s=45
